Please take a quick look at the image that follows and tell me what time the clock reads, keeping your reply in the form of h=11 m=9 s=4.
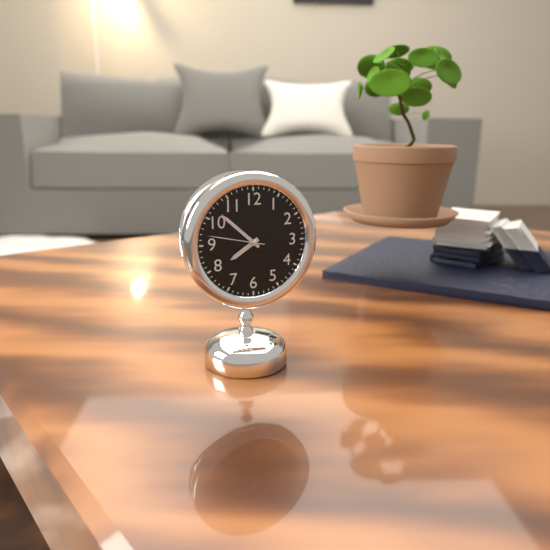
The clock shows h=7 m=52 s=47
